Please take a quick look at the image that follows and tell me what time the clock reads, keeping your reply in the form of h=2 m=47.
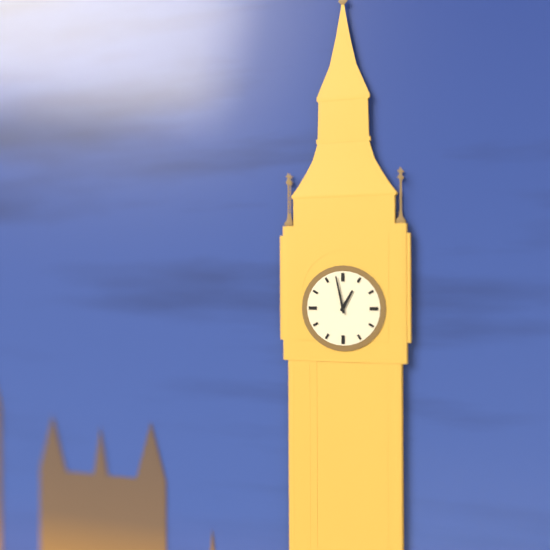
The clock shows h=12 m=58
